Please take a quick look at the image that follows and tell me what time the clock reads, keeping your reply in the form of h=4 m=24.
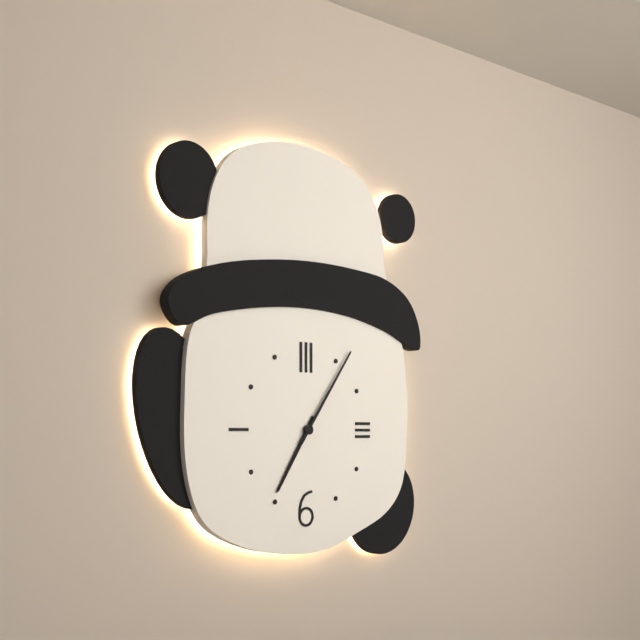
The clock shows h=7 m=6
